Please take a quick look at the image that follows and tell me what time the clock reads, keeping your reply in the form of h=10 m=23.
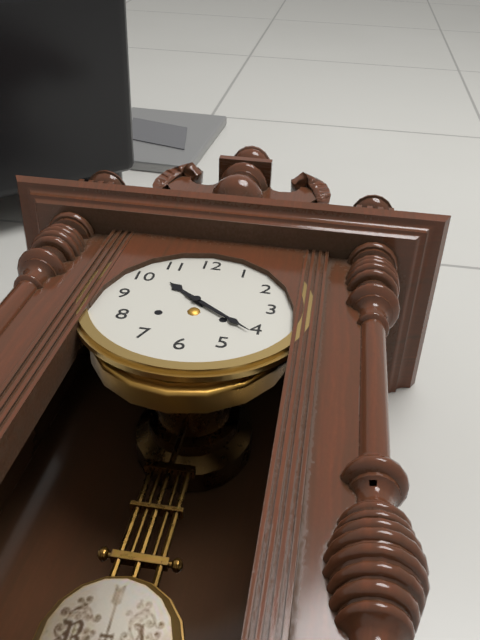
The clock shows h=10 m=21
